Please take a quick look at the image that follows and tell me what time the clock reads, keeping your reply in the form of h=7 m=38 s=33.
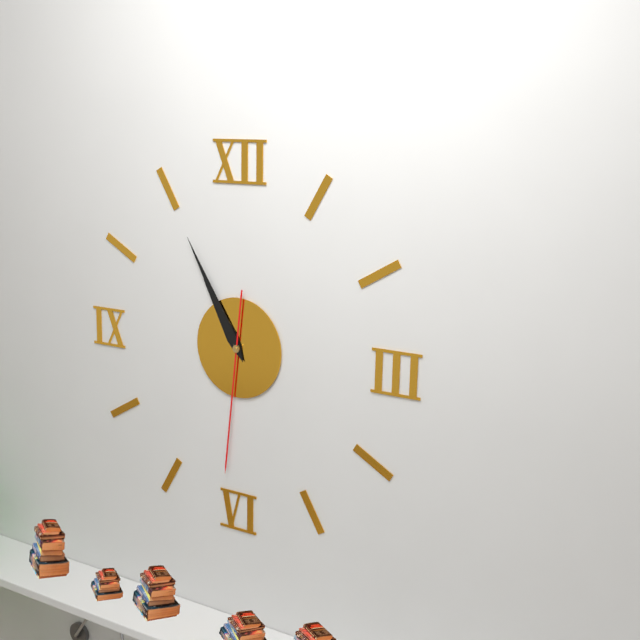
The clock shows h=10 m=55 s=31
